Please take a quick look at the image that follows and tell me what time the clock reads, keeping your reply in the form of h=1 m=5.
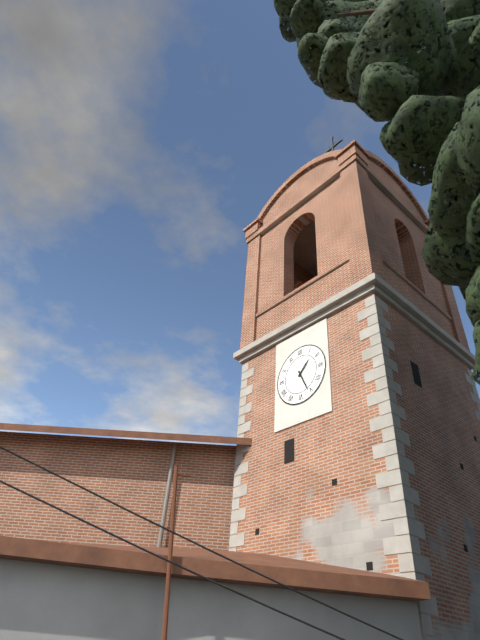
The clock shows h=1 m=26
